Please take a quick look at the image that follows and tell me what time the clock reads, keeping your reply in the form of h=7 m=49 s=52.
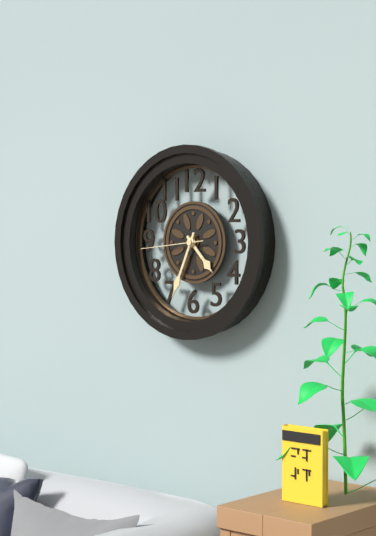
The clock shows h=4 m=34 s=44
